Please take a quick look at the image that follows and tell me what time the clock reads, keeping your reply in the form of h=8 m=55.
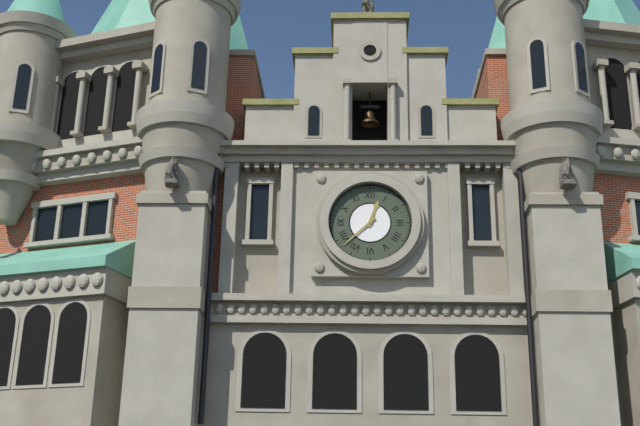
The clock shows h=12 m=38
